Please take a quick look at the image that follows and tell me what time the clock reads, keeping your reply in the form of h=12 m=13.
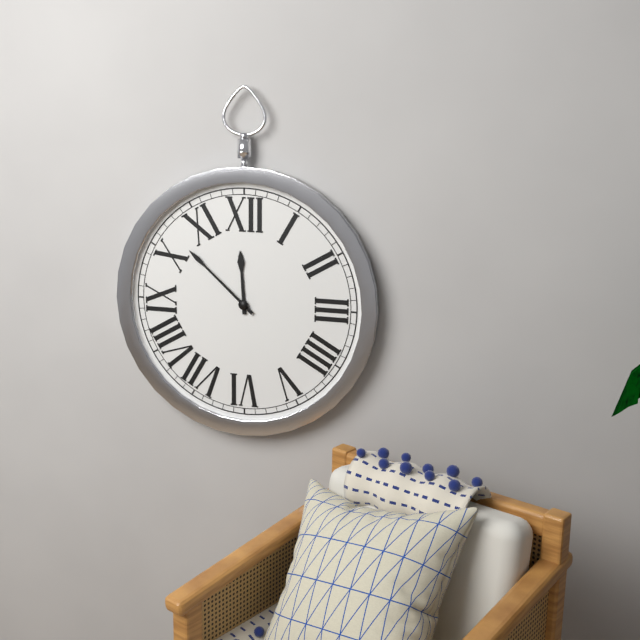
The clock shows h=11 m=52
